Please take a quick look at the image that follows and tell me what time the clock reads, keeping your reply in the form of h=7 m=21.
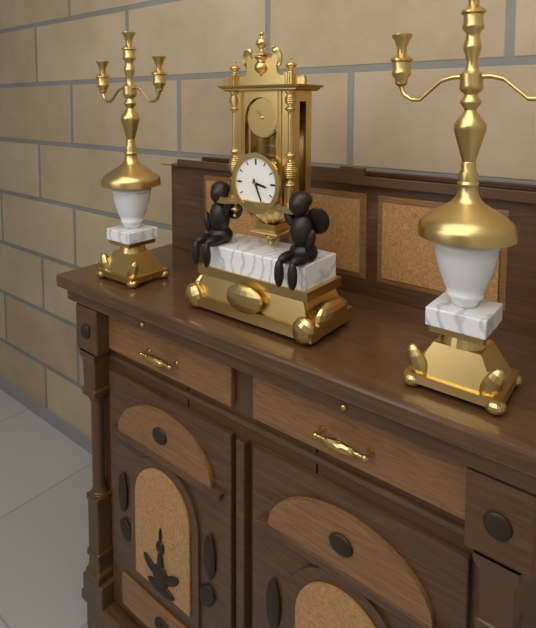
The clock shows h=3 m=26
